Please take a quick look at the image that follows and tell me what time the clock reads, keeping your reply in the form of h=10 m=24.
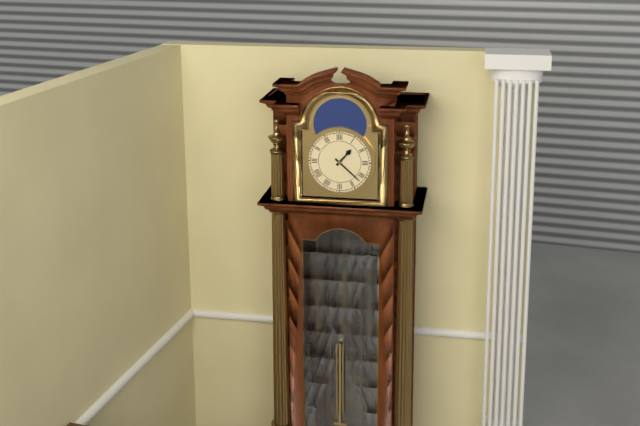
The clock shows h=1 m=22
